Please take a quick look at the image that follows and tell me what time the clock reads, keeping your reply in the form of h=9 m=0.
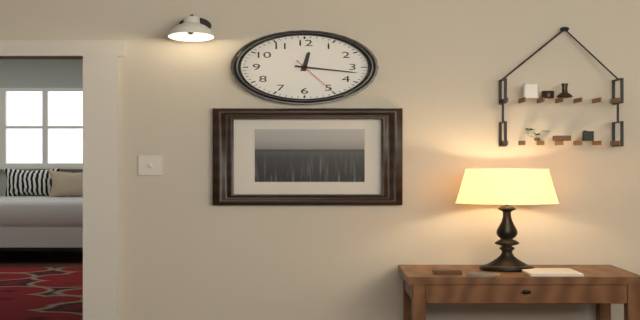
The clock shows h=12 m=17
